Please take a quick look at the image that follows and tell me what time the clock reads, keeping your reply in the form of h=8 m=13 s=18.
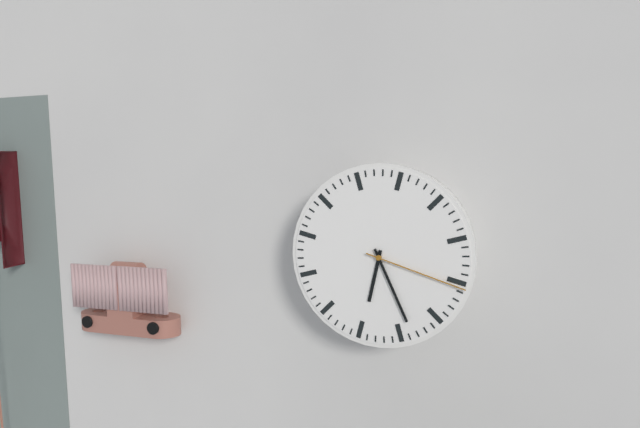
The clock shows h=6 m=26 s=18
